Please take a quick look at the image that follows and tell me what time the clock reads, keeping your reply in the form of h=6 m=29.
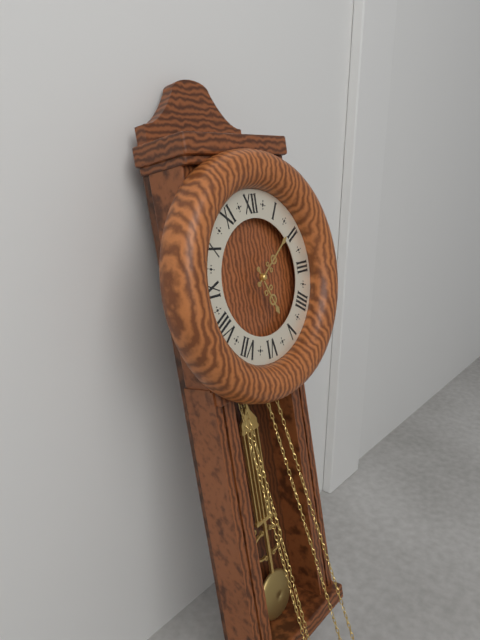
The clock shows h=5 m=9
